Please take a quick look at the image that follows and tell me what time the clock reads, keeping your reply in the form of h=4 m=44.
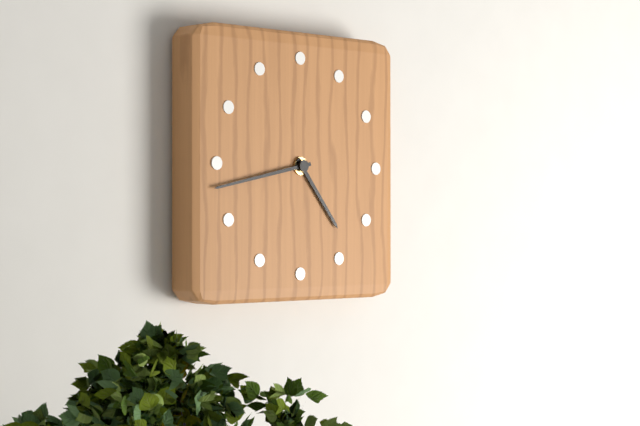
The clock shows h=4 m=43
